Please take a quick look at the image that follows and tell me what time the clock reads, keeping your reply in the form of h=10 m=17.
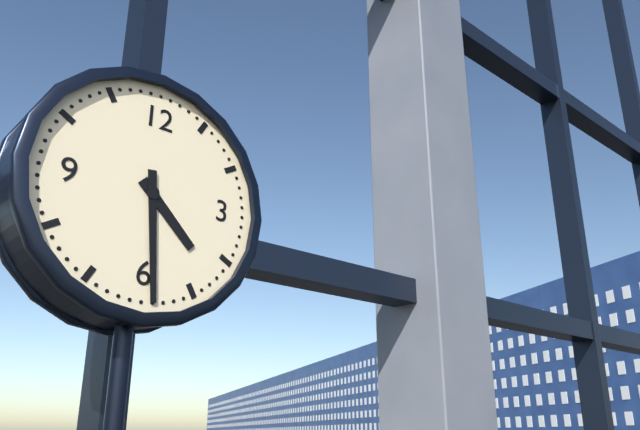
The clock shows h=4 m=29
